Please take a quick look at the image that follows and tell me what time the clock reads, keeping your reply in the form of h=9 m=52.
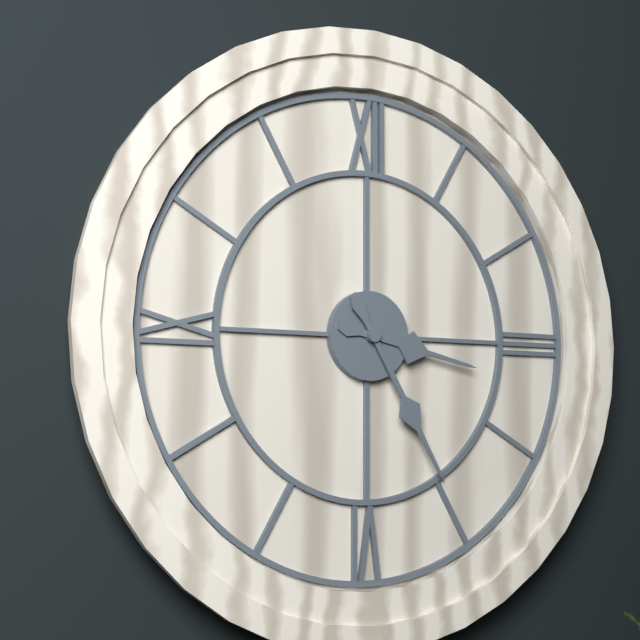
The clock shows h=3 m=25
